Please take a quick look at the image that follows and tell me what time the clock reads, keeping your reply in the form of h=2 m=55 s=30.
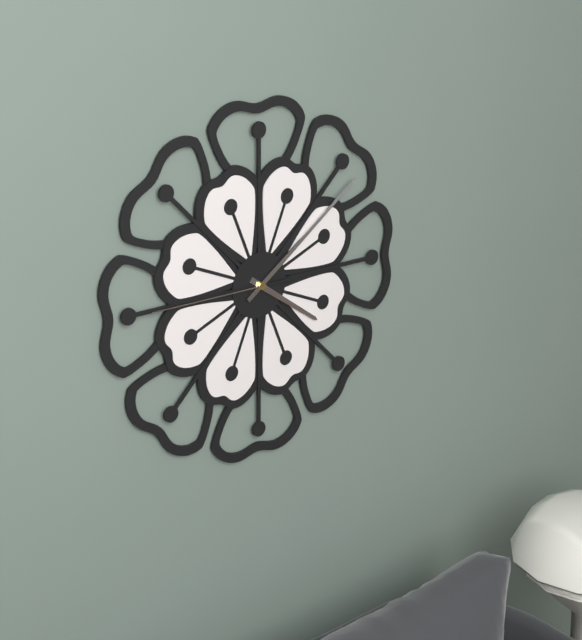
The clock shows h=4 m=9 s=45
